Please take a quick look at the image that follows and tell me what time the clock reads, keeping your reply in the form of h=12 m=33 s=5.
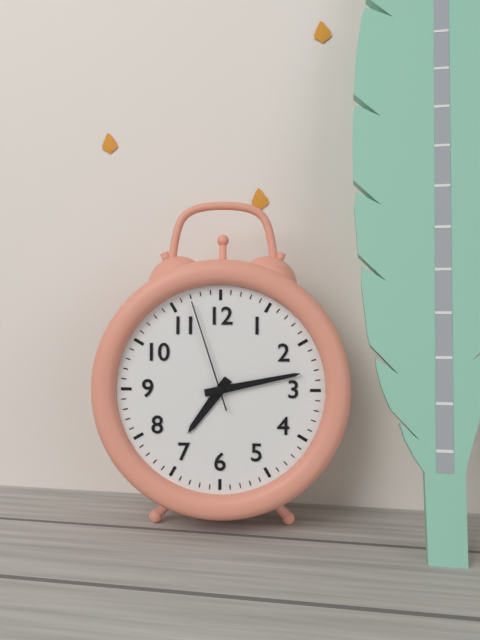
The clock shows h=7 m=13 s=57
